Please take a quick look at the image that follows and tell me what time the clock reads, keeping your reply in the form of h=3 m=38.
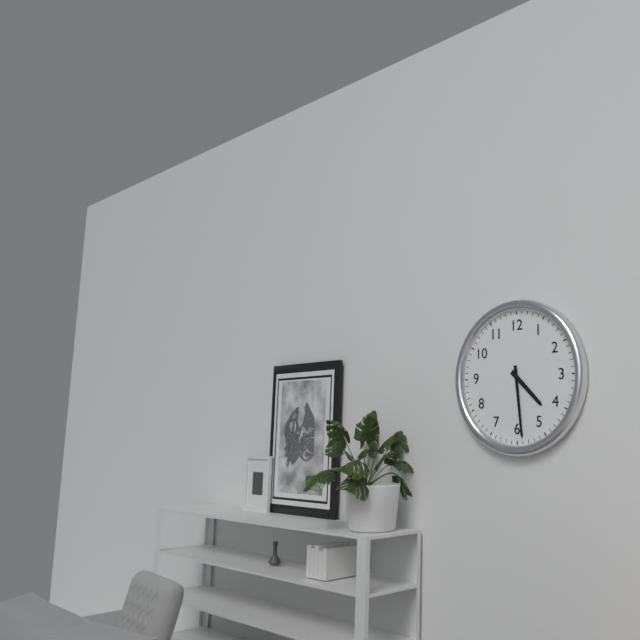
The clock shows h=4 m=29
